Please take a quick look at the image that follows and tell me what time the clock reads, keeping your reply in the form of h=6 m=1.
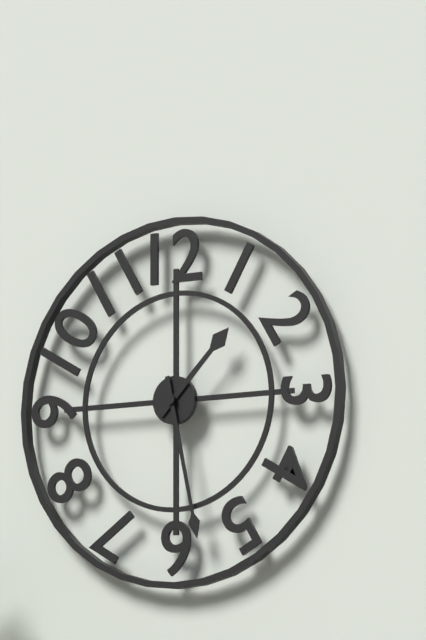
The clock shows h=1 m=28
